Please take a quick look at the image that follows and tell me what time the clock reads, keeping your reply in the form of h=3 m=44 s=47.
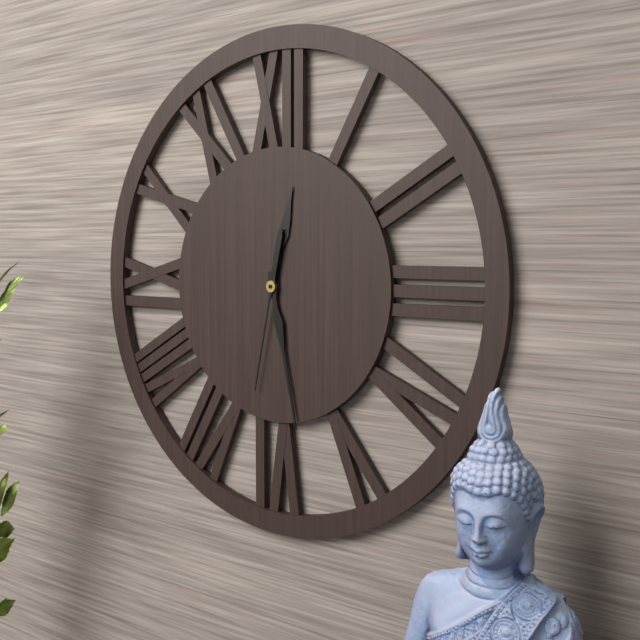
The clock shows h=12 m=28 s=32
